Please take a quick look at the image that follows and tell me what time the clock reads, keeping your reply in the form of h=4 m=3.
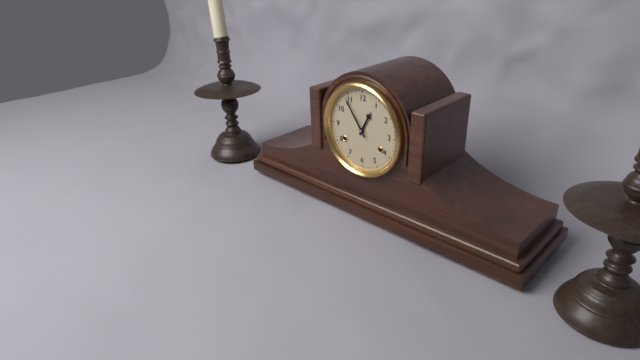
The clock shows h=12 m=54
